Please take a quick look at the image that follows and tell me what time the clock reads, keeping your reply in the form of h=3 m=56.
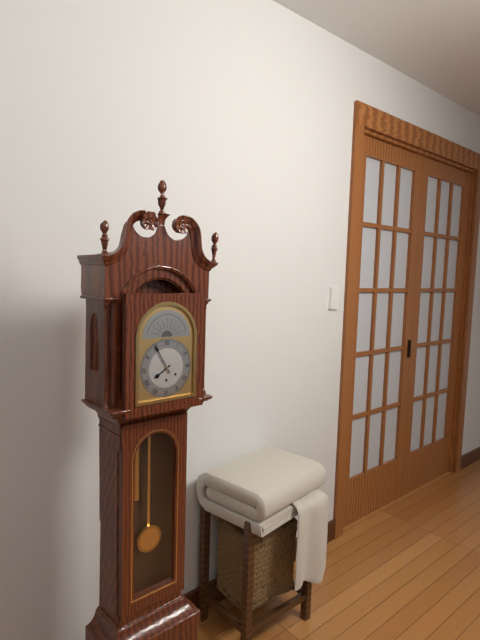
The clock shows h=7 m=55
